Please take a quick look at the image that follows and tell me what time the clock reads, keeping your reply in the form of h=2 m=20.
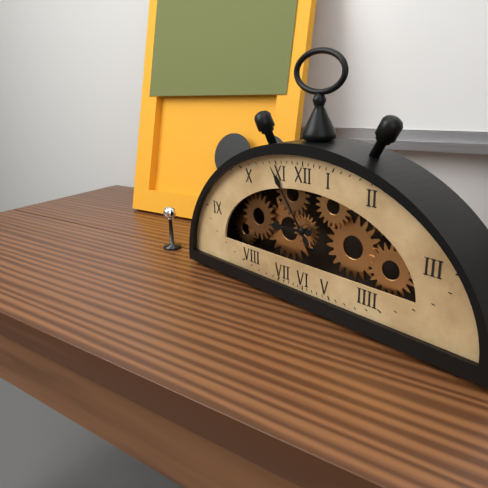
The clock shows h=8 m=54
